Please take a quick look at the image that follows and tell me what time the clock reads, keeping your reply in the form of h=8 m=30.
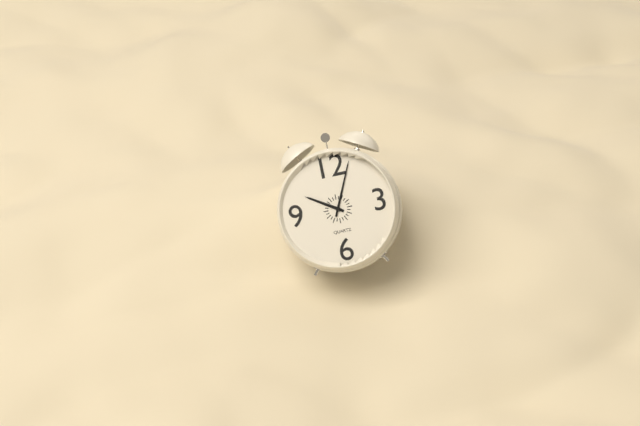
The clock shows h=10 m=4
